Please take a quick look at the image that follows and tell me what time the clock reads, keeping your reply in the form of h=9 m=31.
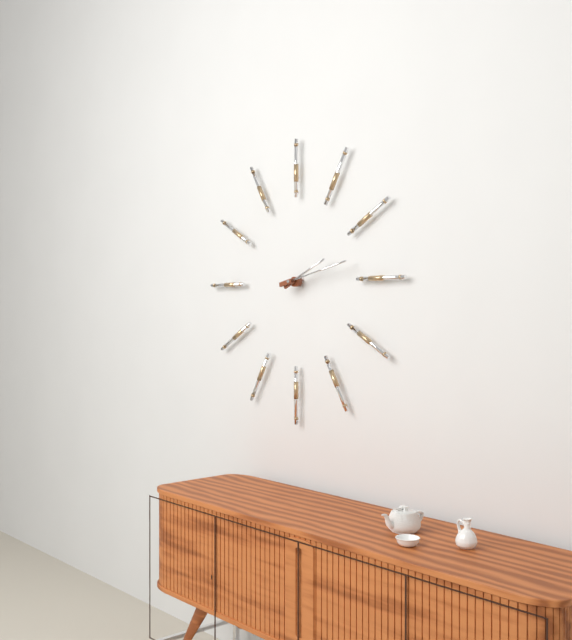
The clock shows h=2 m=13
